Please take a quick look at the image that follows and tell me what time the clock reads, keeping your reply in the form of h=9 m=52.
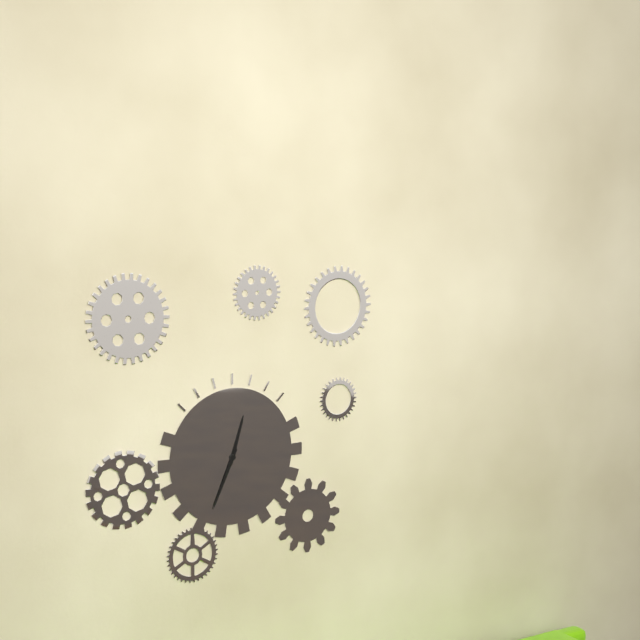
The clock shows h=12 m=34
